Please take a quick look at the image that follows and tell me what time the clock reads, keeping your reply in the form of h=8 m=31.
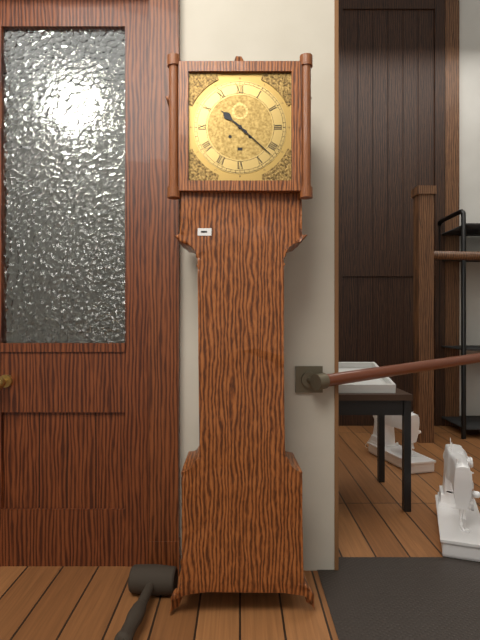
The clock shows h=10 m=22
